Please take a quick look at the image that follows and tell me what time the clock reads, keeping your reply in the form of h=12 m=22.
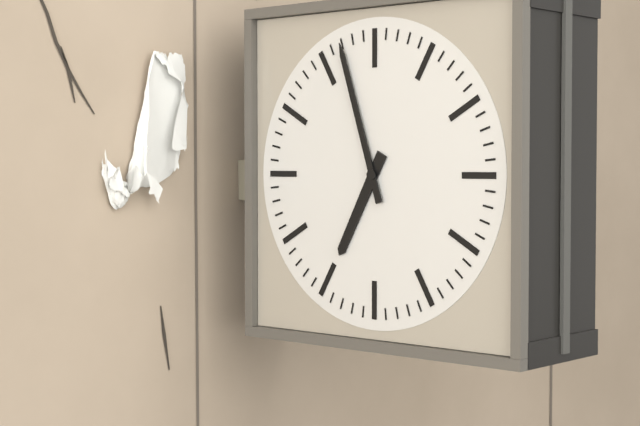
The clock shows h=6 m=57
